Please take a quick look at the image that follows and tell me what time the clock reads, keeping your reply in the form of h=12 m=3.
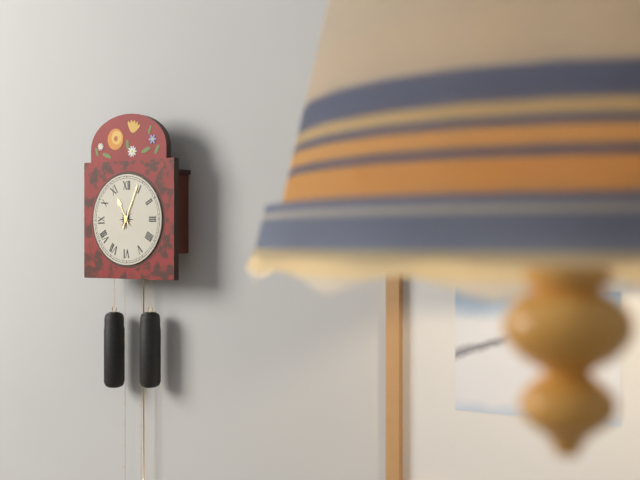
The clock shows h=11 m=4
